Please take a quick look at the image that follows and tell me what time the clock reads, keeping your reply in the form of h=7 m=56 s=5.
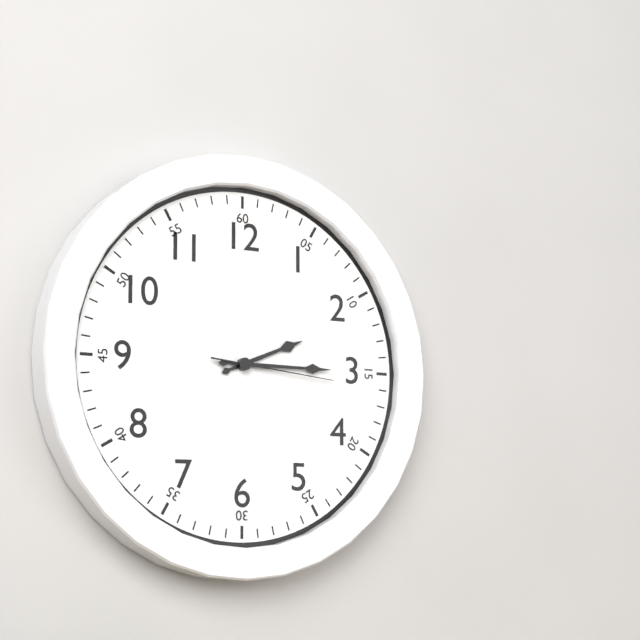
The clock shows h=2 m=15 s=16
